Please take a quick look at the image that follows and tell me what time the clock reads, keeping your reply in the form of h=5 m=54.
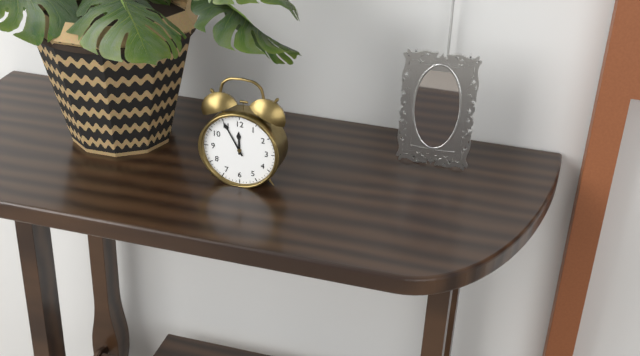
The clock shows h=11 m=55
